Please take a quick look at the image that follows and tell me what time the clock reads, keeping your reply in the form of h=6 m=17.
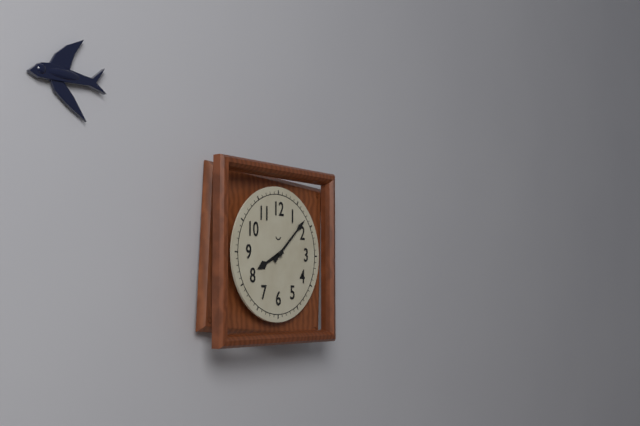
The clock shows h=8 m=8
